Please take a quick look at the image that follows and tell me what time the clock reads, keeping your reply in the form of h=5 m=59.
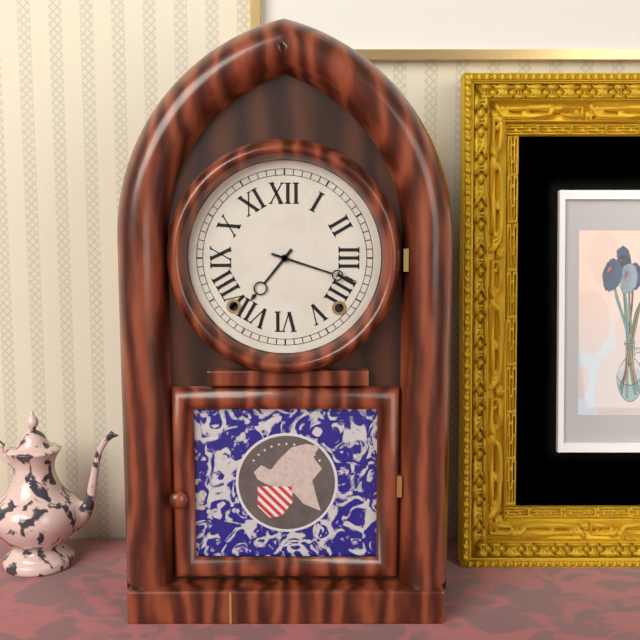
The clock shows h=7 m=18
